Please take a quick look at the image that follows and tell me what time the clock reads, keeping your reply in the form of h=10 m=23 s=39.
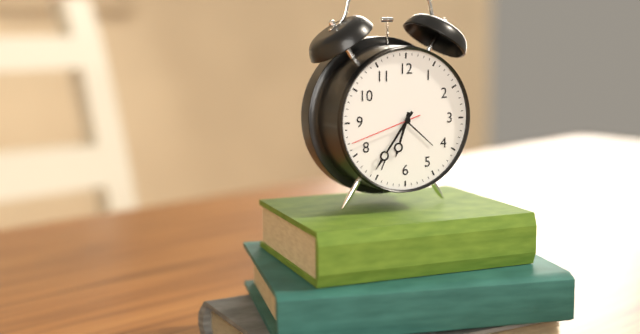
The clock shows h=6 m=36 s=42
